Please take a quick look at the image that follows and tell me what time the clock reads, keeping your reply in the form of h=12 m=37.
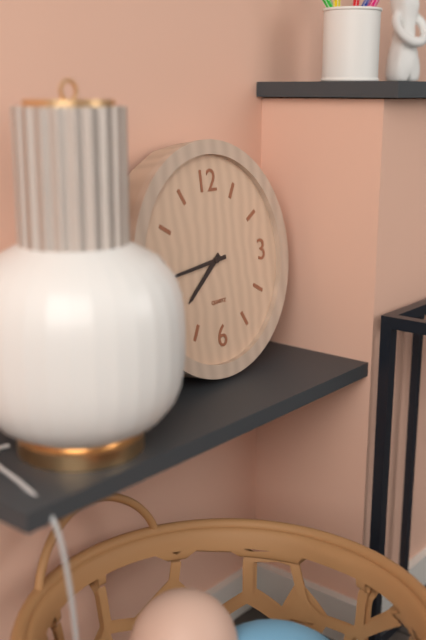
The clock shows h=7 m=44
